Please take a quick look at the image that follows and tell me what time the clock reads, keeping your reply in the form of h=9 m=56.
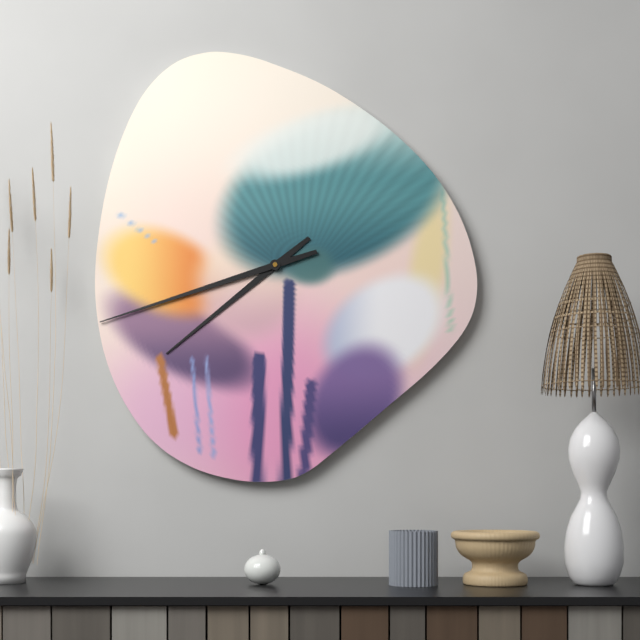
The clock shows h=7 m=42
